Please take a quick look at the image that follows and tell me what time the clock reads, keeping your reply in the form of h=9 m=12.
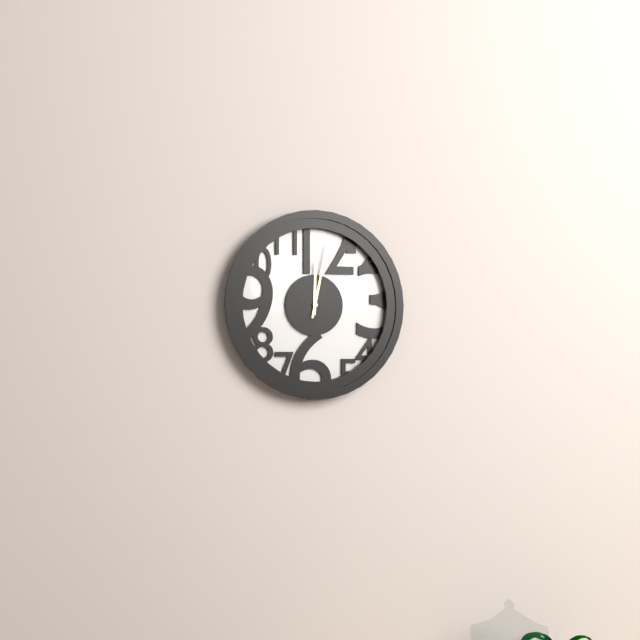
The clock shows h=12 m=2
